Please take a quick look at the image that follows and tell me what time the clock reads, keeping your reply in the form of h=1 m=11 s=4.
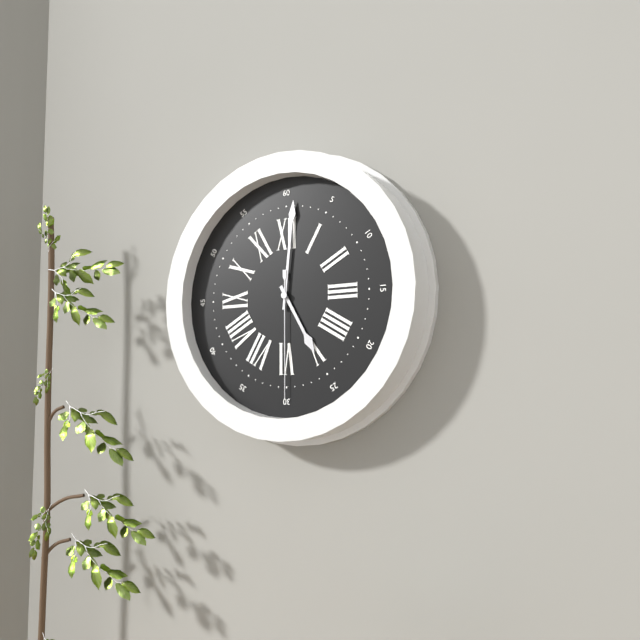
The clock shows h=5 m=1 s=30
